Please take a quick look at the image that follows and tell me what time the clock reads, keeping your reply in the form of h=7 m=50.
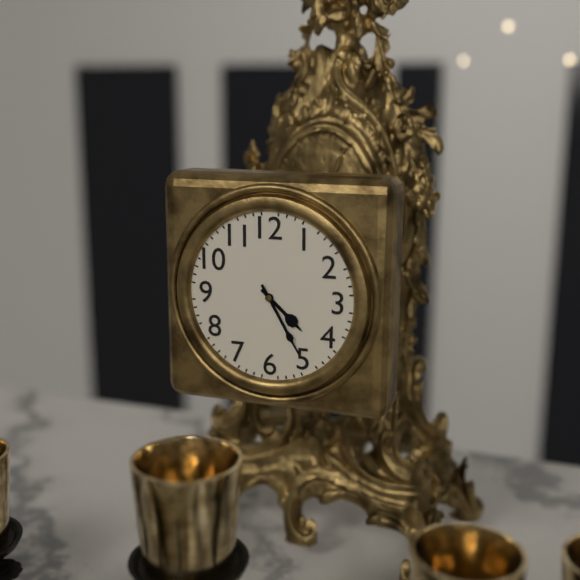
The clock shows h=4 m=25
